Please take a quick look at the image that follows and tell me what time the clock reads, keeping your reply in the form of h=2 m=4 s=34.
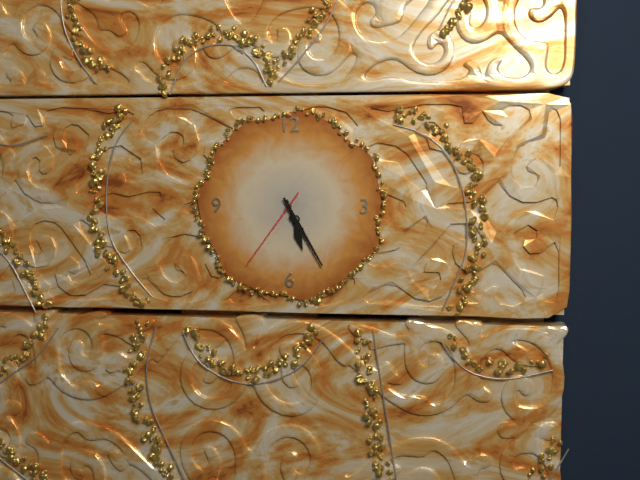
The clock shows h=5 m=25 s=36
